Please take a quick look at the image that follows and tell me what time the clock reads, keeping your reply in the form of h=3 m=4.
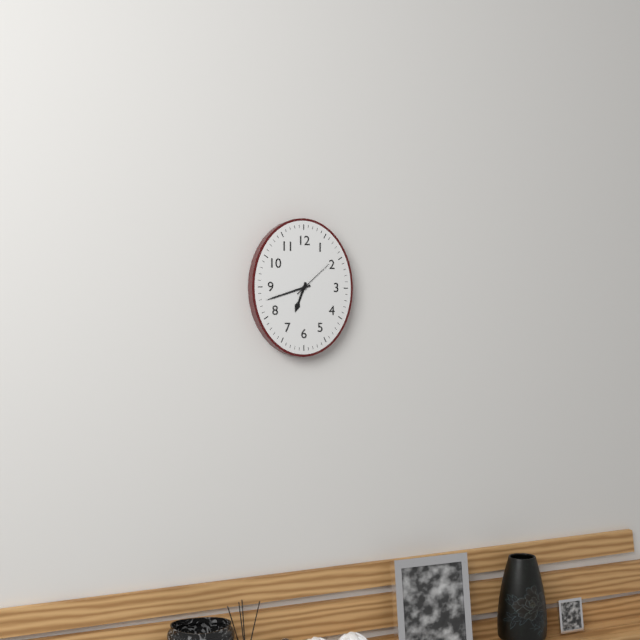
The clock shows h=6 m=42
